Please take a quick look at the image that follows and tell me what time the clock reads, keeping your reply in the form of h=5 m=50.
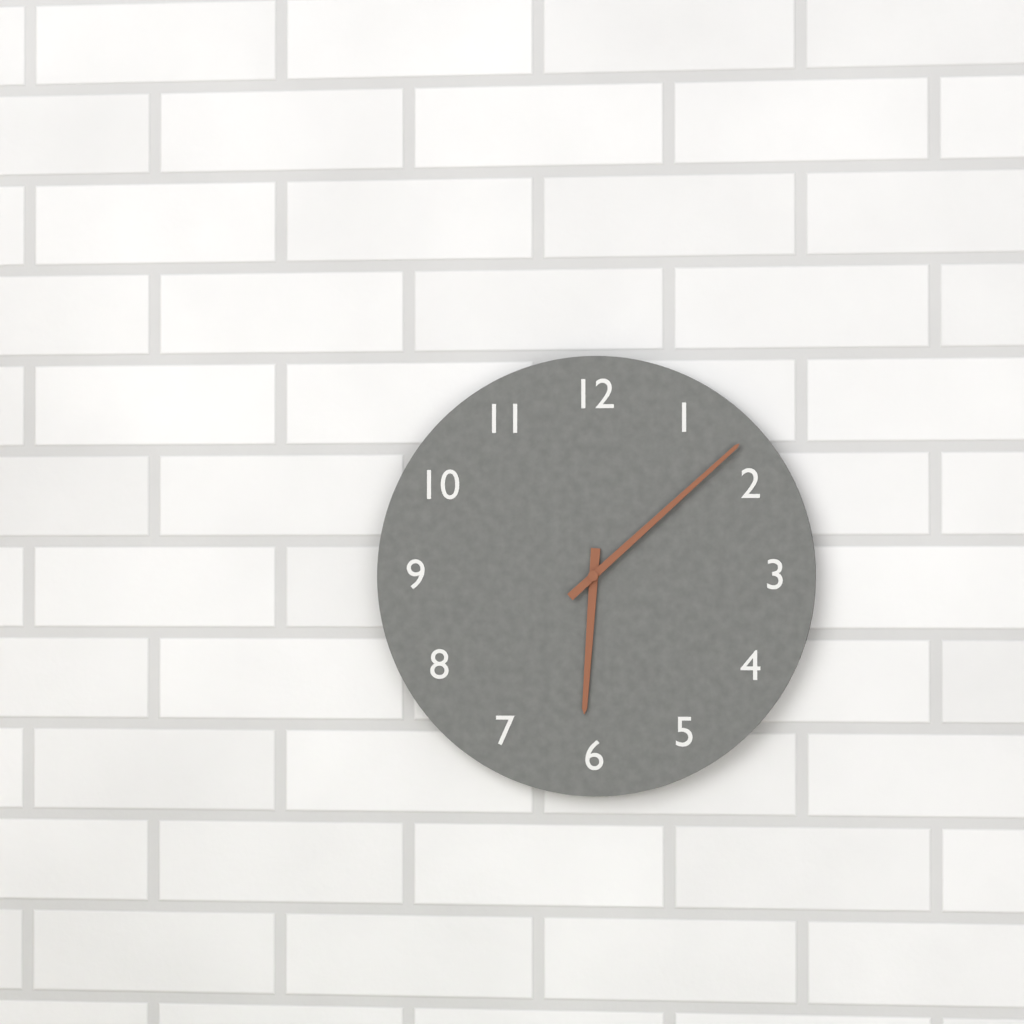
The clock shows h=6 m=8
